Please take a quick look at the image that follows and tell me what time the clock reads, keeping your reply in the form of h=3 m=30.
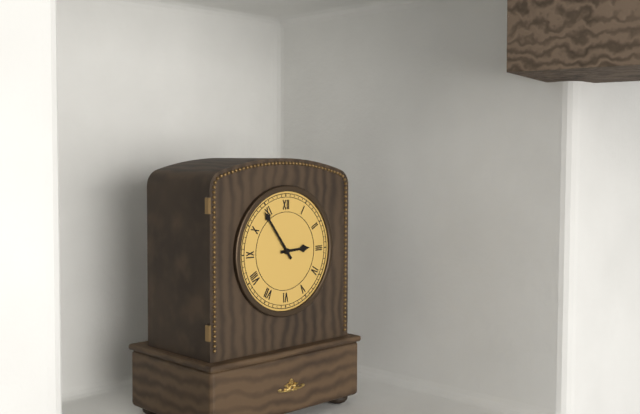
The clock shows h=2 m=54
